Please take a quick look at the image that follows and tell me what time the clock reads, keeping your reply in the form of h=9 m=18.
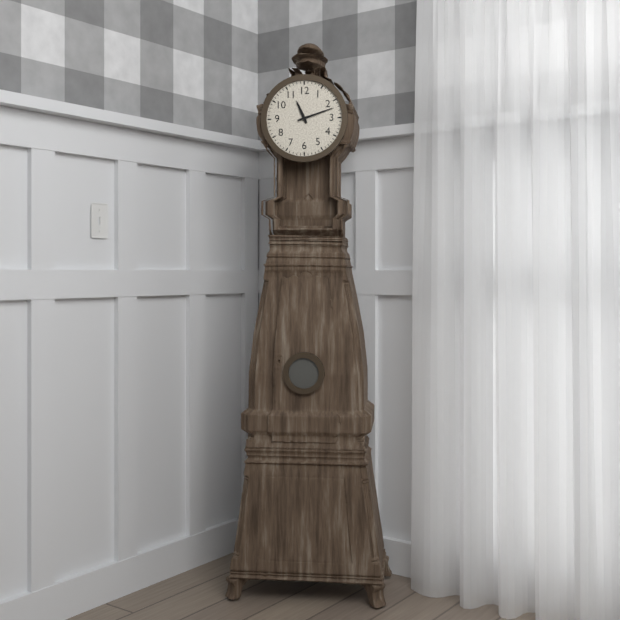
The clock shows h=11 m=12
